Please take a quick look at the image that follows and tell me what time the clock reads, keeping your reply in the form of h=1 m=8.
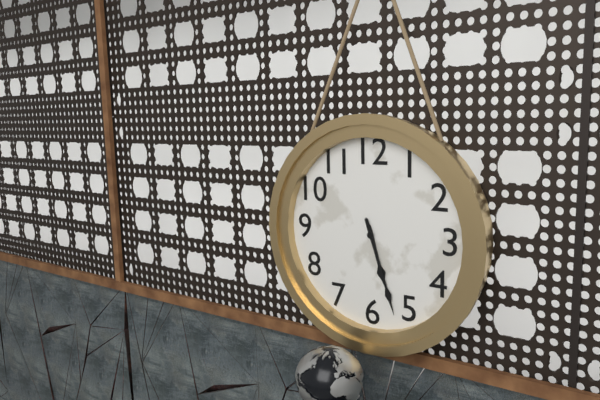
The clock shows h=5 m=27
